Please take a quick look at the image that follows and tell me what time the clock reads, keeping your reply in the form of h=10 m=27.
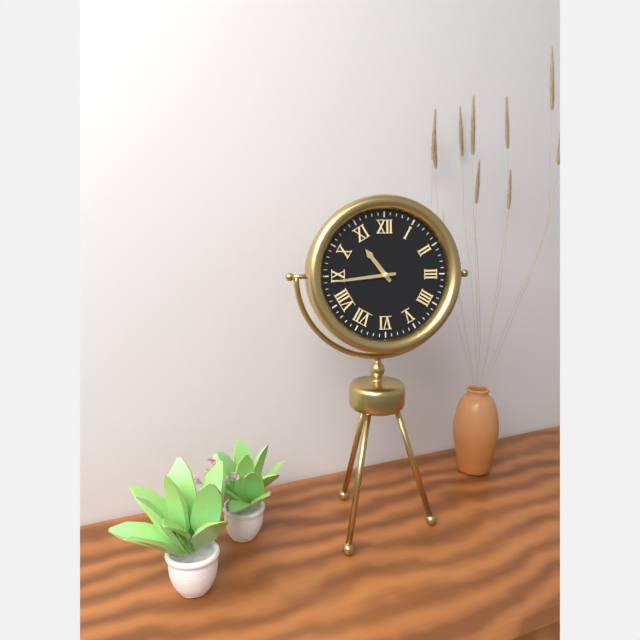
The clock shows h=10 m=44
